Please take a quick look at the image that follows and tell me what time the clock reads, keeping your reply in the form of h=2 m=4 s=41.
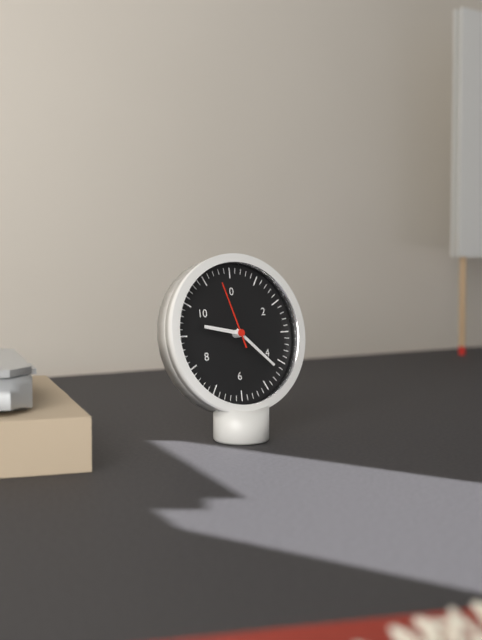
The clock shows h=9 m=22 s=57
